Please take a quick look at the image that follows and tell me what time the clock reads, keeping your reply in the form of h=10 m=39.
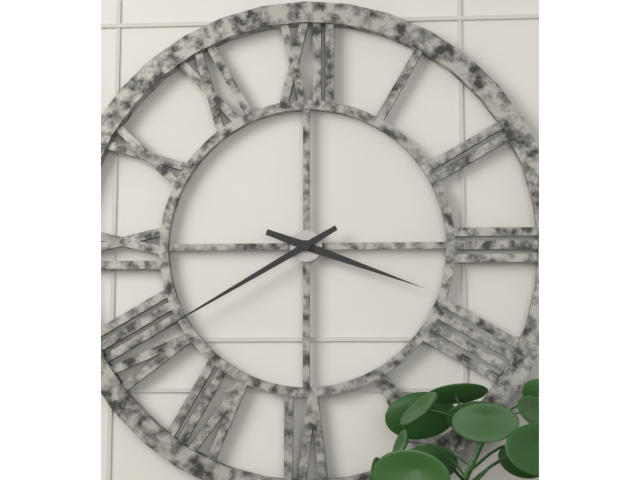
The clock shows h=3 m=40
